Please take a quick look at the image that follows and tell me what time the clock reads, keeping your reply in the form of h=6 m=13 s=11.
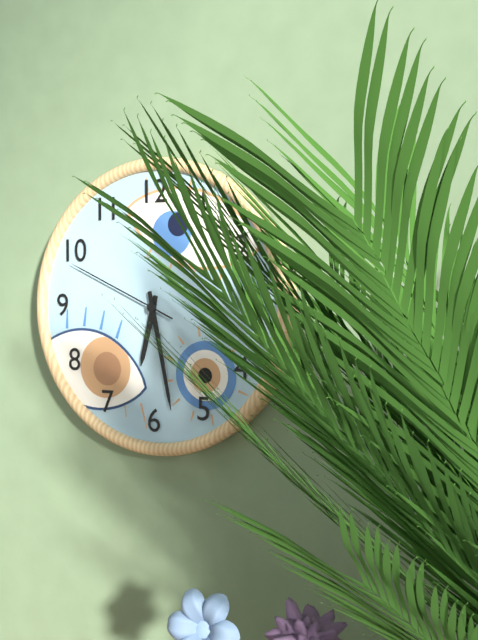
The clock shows h=6 m=28 s=49
